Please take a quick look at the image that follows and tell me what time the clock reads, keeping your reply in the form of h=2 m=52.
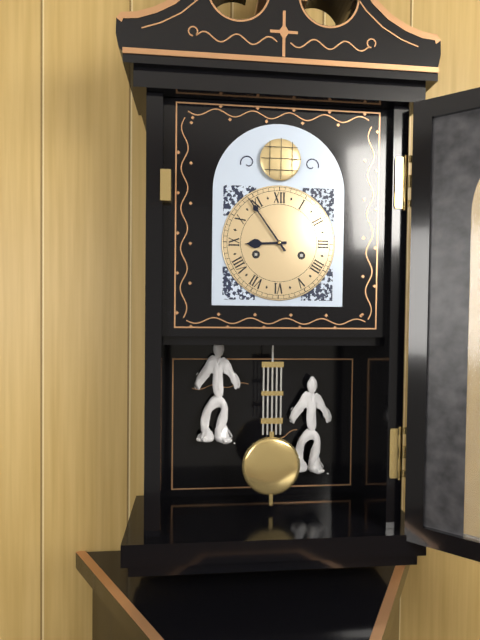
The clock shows h=8 m=54
